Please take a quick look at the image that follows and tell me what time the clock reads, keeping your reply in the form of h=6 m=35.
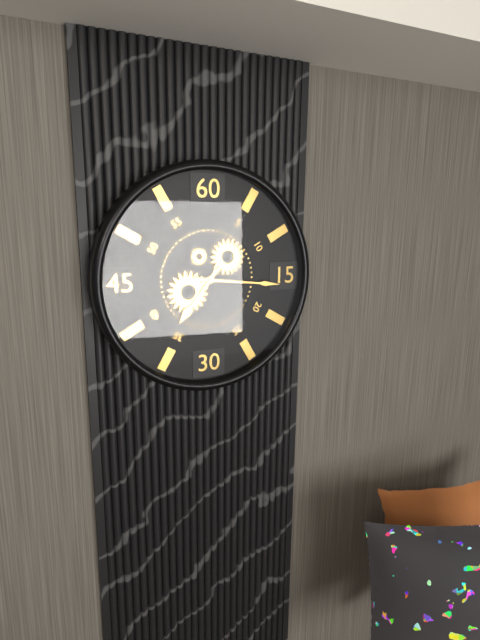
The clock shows h=7 m=16
